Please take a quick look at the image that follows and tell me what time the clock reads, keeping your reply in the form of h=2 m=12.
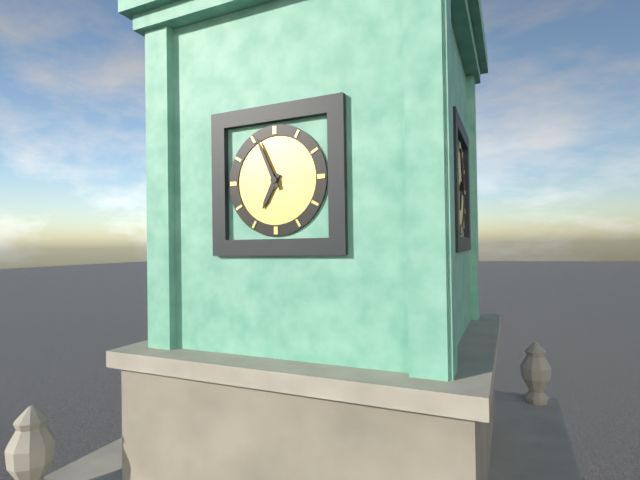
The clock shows h=6 m=56
